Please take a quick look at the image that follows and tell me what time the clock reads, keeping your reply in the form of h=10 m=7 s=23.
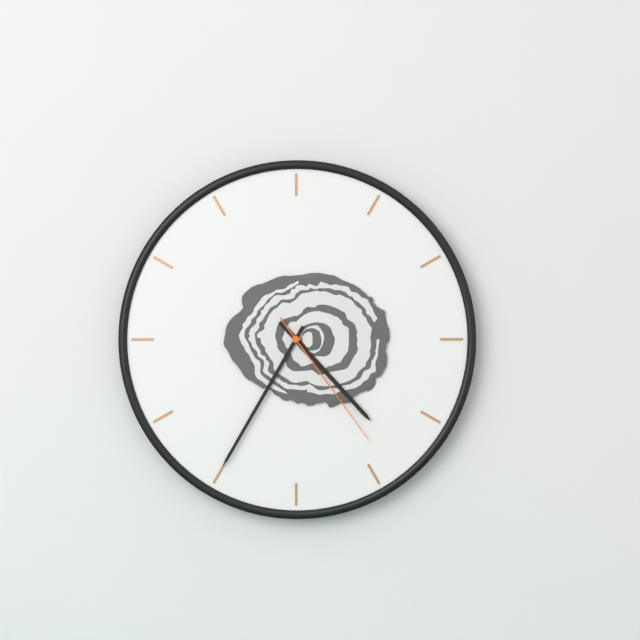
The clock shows h=4 m=35 s=24
